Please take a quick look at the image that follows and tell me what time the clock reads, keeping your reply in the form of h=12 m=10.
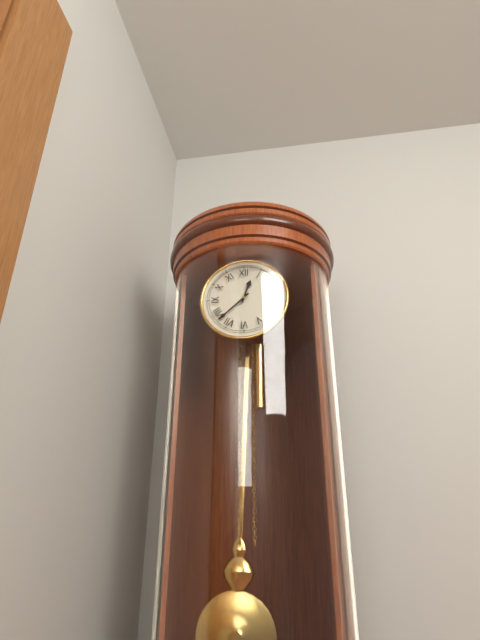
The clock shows h=12 m=38
